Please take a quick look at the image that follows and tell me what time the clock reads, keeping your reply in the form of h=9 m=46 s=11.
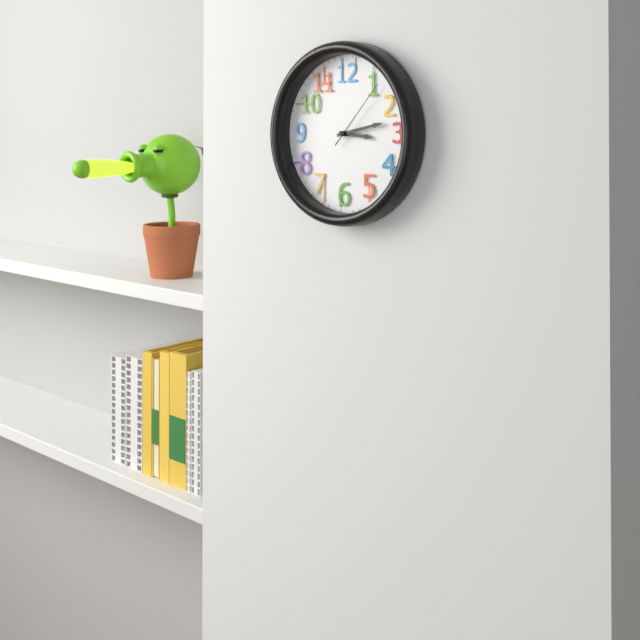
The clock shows h=3 m=13 s=7
